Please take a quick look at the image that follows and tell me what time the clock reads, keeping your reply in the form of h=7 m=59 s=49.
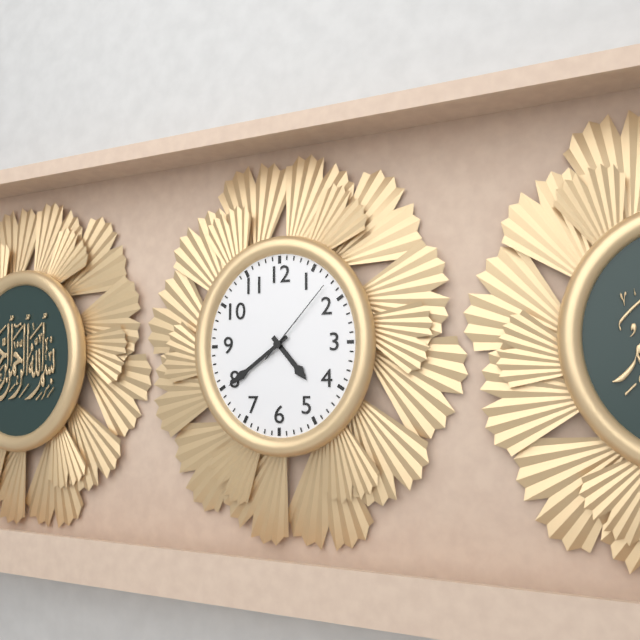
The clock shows h=4 m=39 s=7
